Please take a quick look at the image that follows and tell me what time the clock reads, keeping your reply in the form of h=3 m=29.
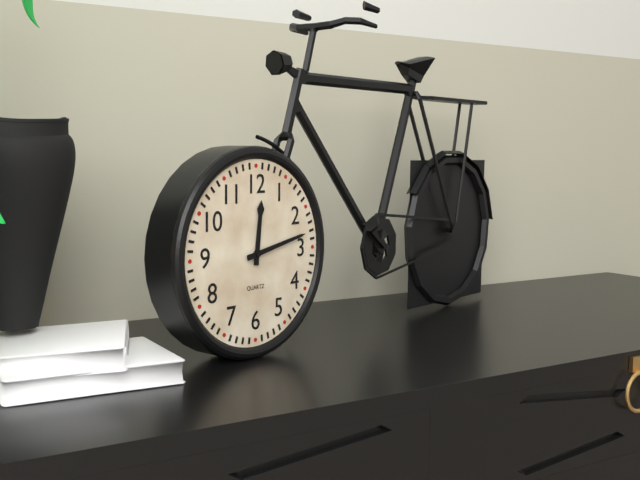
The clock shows h=12 m=13
